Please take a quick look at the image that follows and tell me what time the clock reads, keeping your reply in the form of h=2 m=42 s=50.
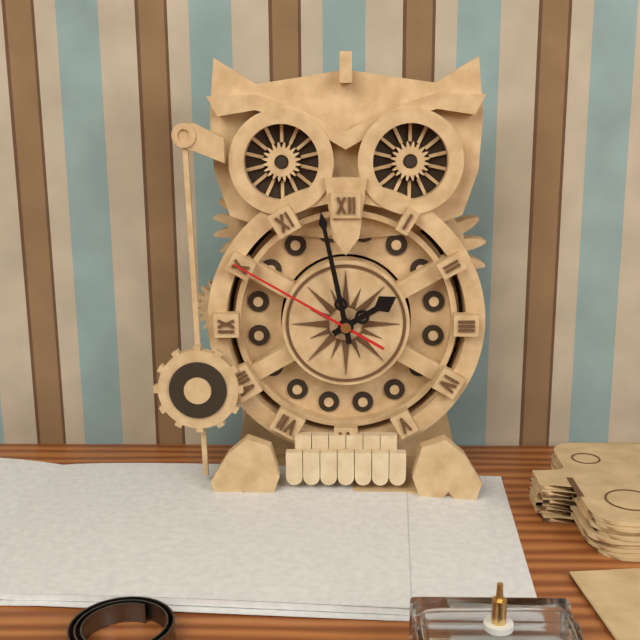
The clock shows h=1 m=58 s=50
